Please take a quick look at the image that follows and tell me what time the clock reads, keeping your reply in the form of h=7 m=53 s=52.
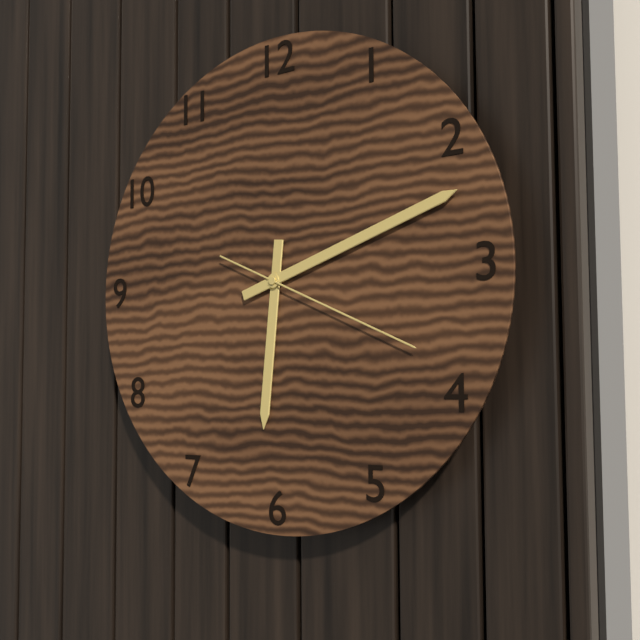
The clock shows h=6 m=12 s=19
